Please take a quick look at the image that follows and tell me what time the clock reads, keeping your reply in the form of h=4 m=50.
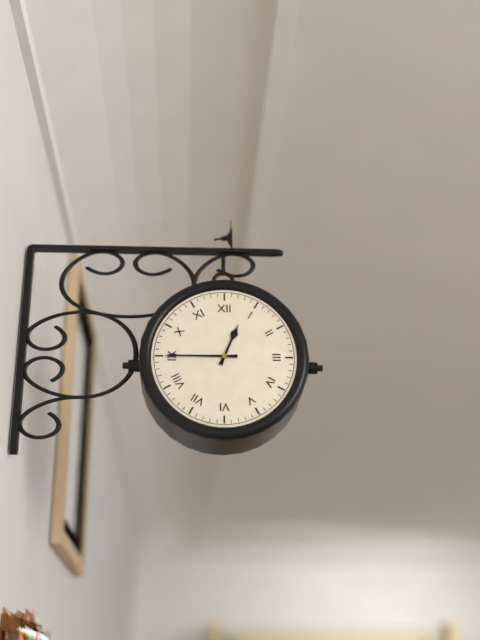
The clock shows h=12 m=45
